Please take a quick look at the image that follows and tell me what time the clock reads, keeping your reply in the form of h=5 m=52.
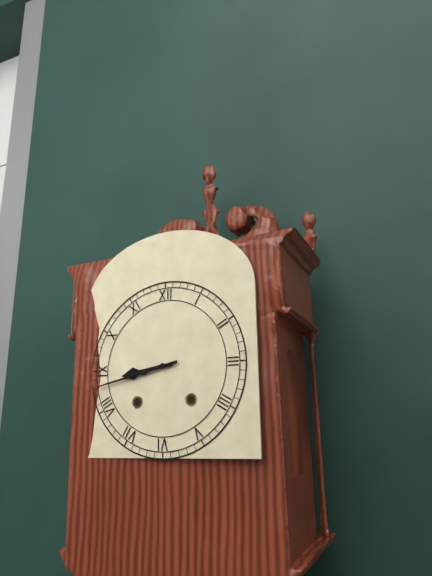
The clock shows h=8 m=43
